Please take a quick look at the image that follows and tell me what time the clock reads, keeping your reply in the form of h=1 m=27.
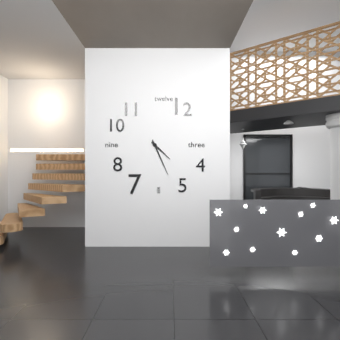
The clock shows h=4 m=26
